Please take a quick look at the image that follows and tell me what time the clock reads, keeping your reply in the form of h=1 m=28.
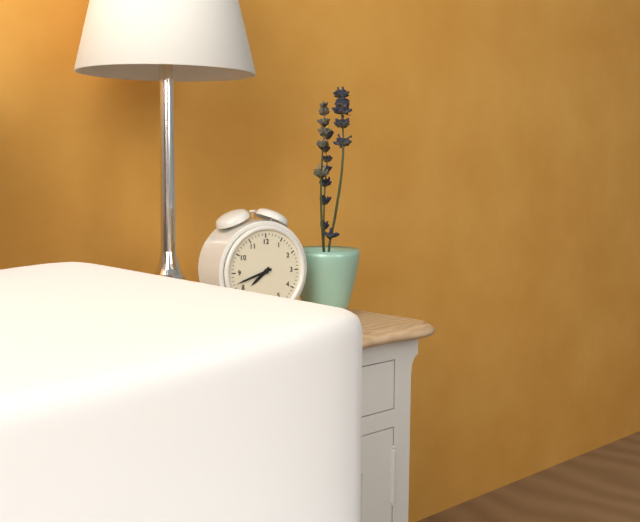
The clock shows h=7 m=42
